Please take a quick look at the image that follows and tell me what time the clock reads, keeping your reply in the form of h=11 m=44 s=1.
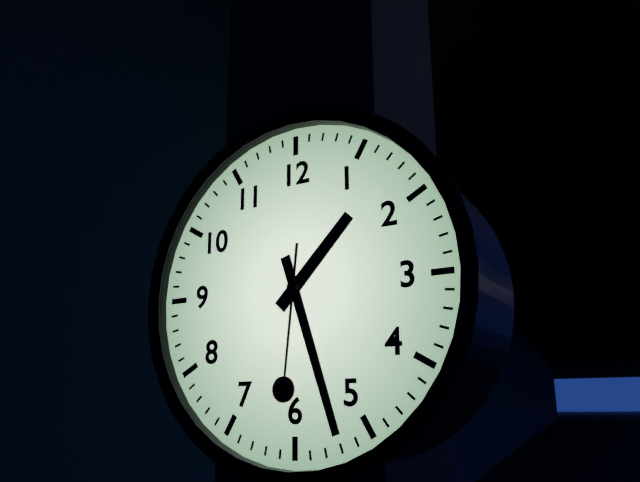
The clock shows h=1 m=27 s=31
